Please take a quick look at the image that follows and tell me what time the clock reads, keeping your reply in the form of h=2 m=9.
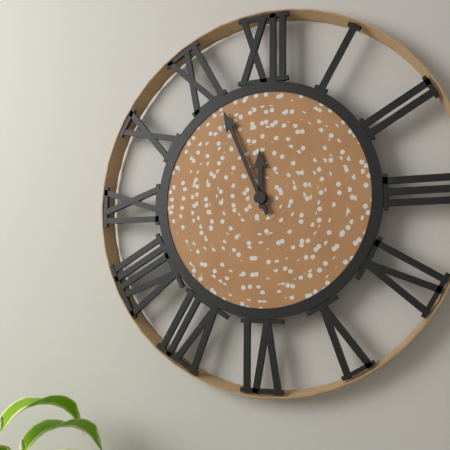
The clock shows h=11 m=56
